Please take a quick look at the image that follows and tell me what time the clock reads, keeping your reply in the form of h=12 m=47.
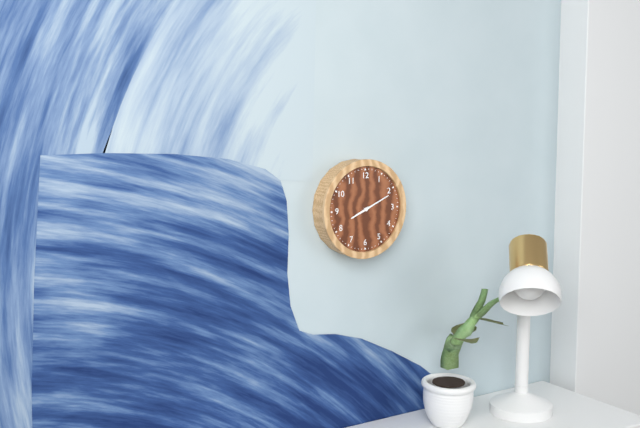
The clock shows h=8 m=11
